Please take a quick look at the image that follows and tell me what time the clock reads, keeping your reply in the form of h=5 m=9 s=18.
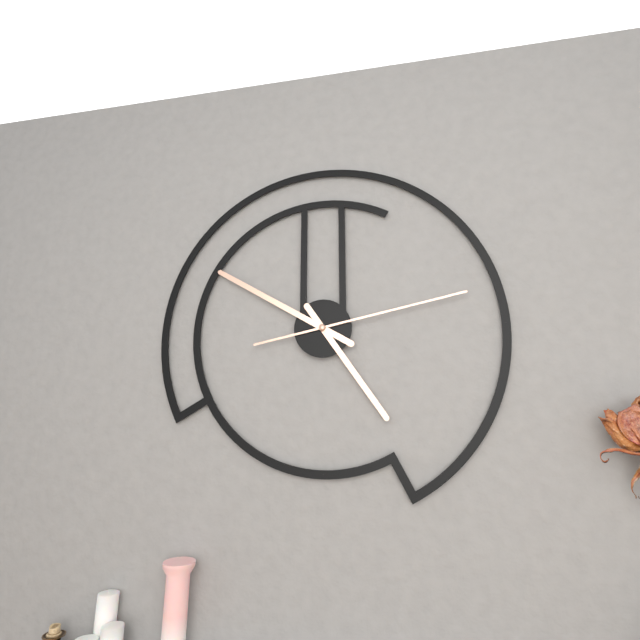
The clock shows h=4 m=50 s=13
